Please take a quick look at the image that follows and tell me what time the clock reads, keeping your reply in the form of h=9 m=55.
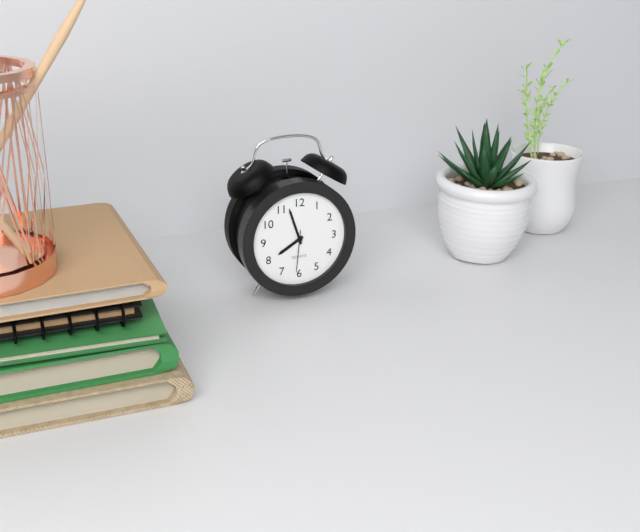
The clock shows h=7 m=57
